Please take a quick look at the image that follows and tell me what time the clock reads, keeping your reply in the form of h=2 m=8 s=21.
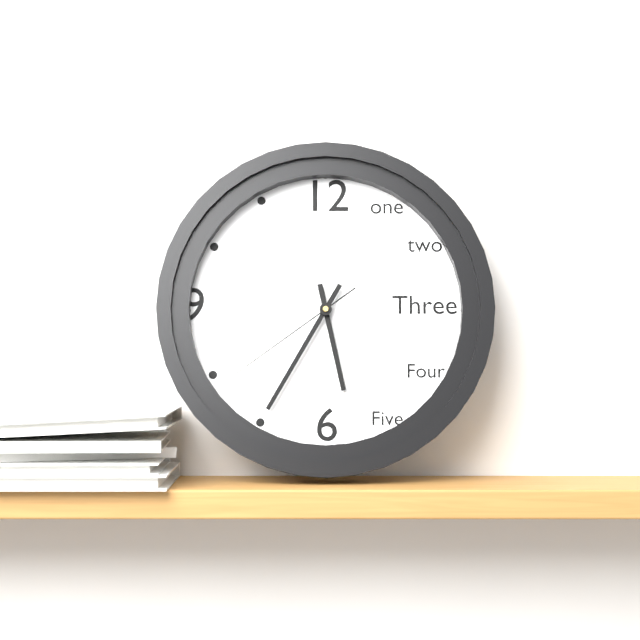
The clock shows h=5 m=35 s=39
